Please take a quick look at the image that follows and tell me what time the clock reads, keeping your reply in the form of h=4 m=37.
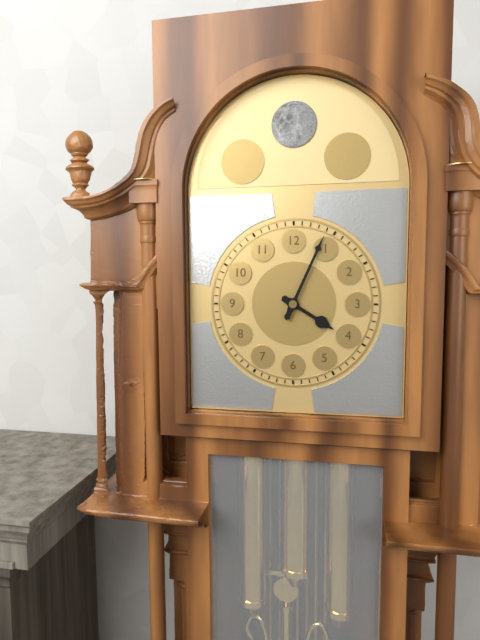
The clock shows h=4 m=4
